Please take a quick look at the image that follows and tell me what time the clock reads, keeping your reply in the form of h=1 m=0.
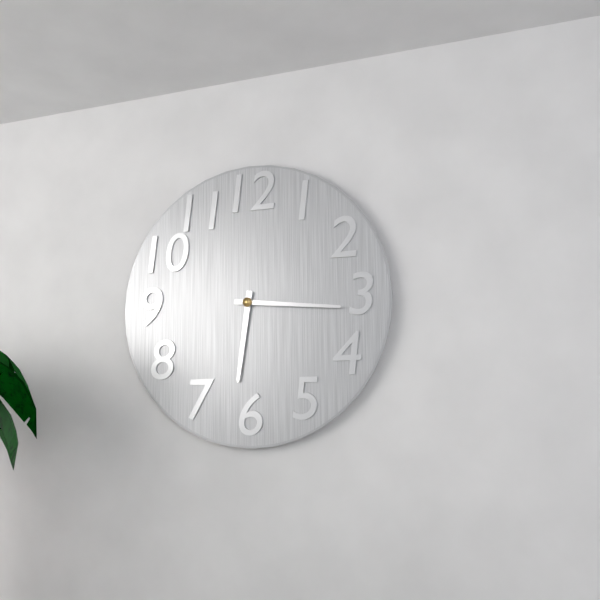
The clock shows h=6 m=16
